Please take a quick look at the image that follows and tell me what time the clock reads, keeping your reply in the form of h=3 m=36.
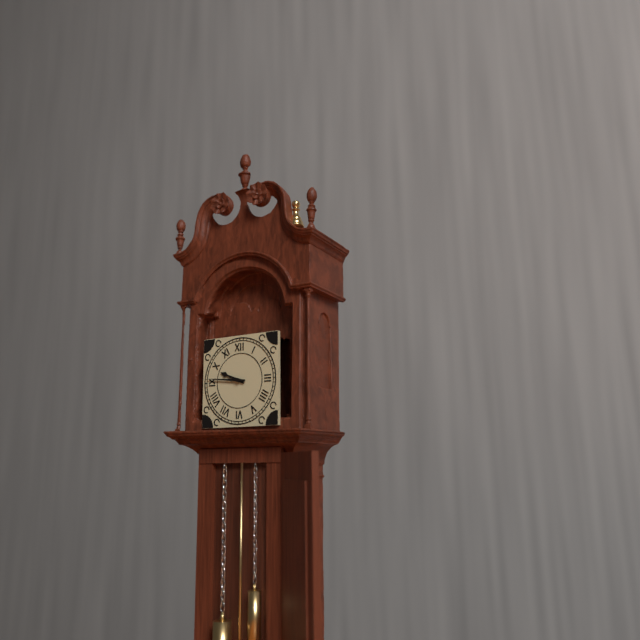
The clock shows h=9 m=46
